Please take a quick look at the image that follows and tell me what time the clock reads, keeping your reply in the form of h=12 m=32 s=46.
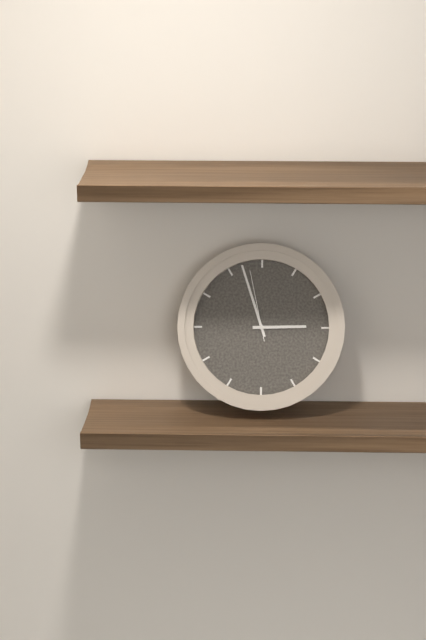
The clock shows h=2 m=57 s=58
